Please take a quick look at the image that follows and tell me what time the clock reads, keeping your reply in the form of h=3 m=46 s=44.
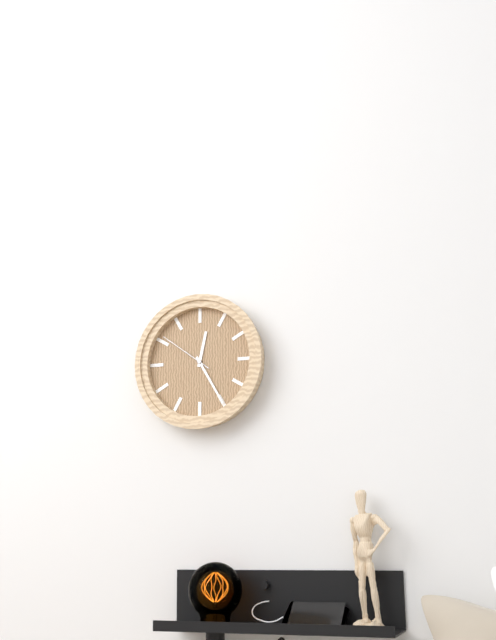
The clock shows h=12 m=25 s=51
